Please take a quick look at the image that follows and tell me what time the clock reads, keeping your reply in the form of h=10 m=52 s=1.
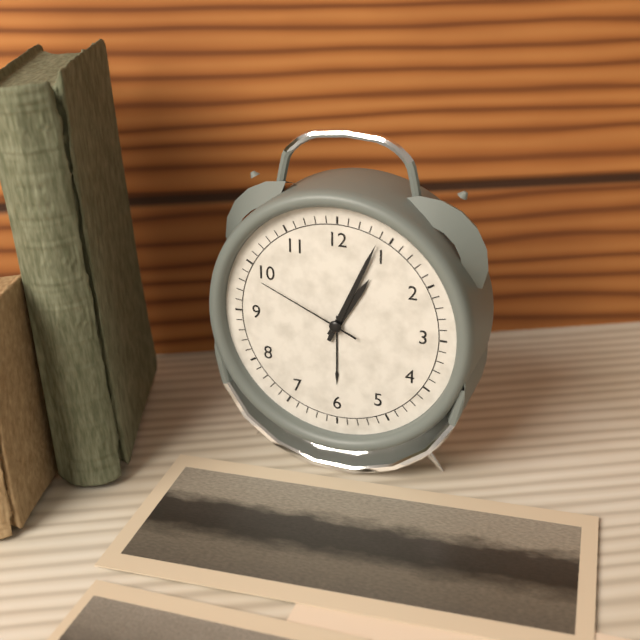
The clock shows h=1 m=4 s=49
